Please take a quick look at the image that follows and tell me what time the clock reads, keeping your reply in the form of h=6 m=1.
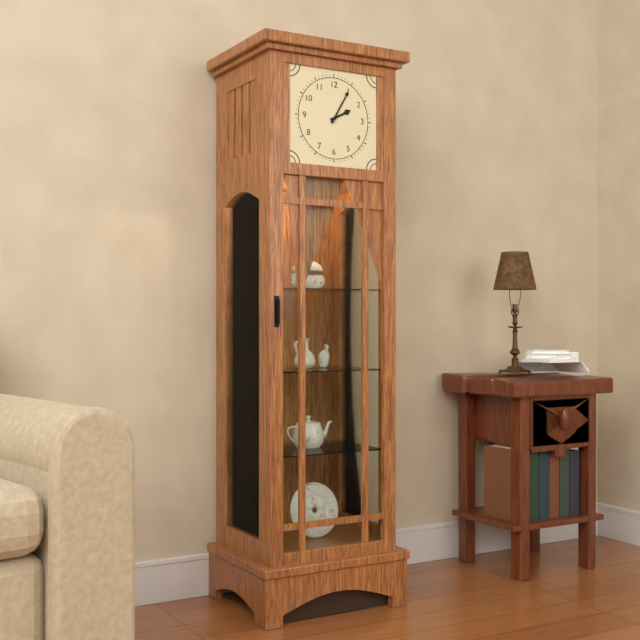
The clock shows h=2 m=5
